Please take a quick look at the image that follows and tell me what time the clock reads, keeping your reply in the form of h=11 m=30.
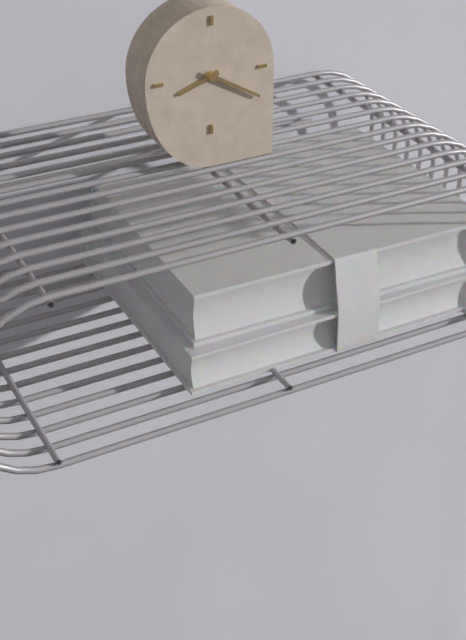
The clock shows h=8 m=20
